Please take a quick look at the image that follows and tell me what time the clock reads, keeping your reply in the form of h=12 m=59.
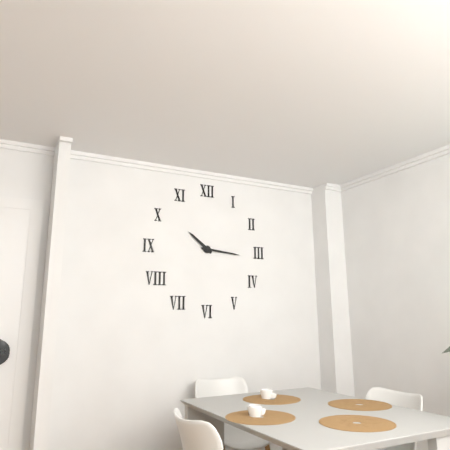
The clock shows h=10 m=16
